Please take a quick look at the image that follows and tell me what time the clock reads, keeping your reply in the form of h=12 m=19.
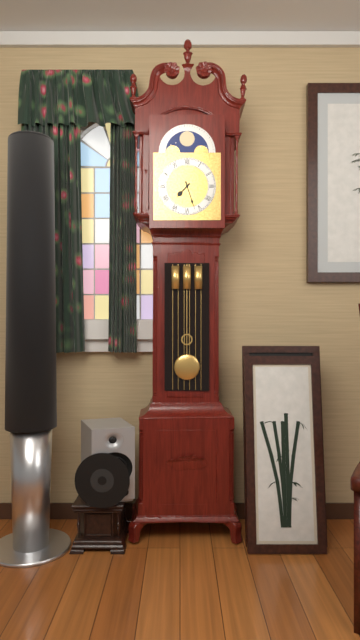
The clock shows h=7 m=27
